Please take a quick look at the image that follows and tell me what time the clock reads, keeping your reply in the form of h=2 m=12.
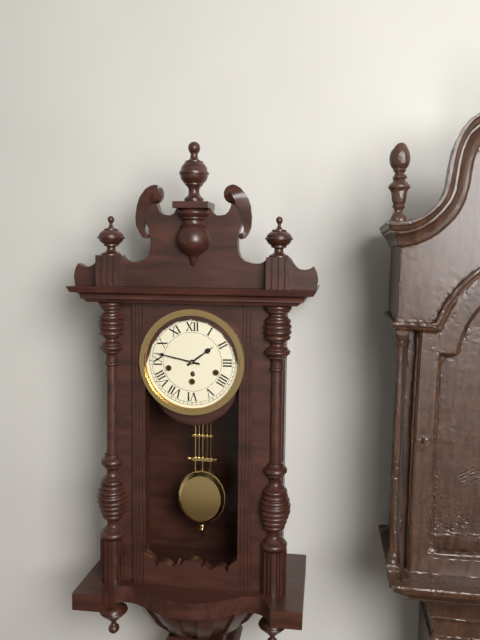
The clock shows h=1 m=47
